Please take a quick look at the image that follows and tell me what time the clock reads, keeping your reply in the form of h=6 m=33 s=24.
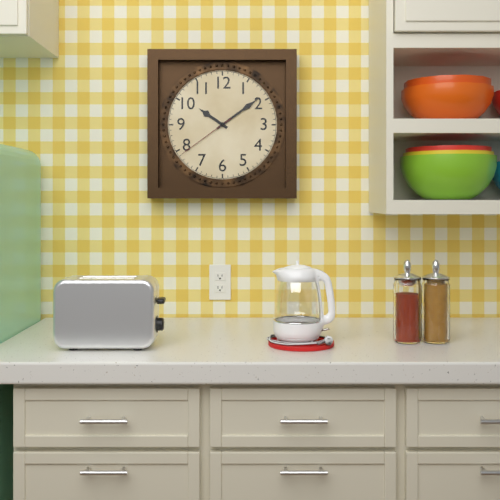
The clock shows h=10 m=9 s=39
